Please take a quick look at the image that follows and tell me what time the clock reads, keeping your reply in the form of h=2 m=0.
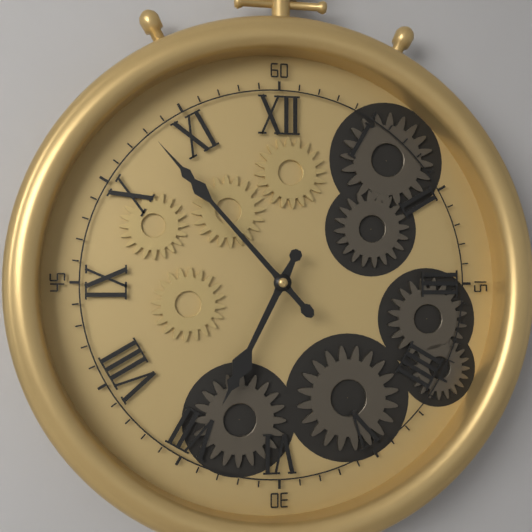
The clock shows h=6 m=53
